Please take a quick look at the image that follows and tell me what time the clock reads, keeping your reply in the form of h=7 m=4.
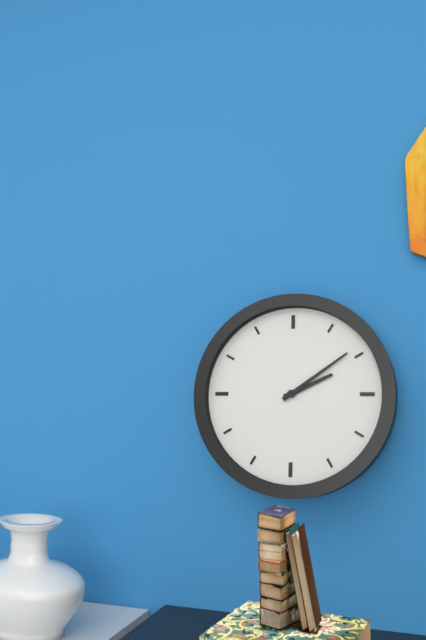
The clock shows h=2 m=9
